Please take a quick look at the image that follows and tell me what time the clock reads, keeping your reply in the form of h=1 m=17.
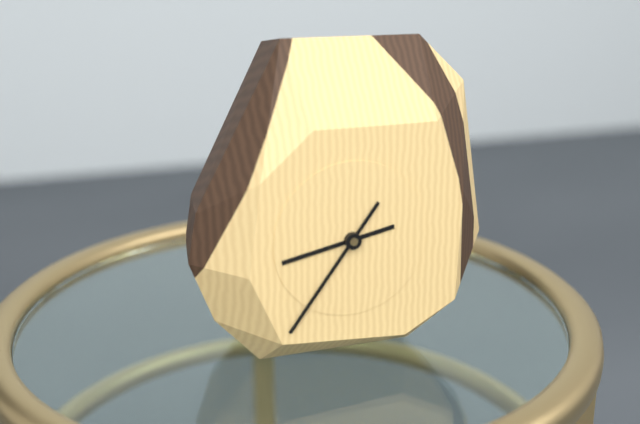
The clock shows h=8 m=36
